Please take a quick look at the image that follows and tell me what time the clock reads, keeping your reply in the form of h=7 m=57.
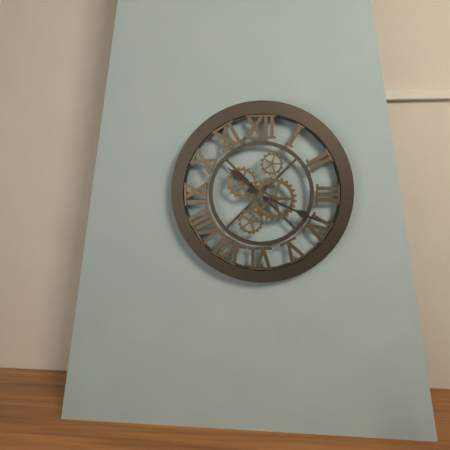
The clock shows h=10 m=19
